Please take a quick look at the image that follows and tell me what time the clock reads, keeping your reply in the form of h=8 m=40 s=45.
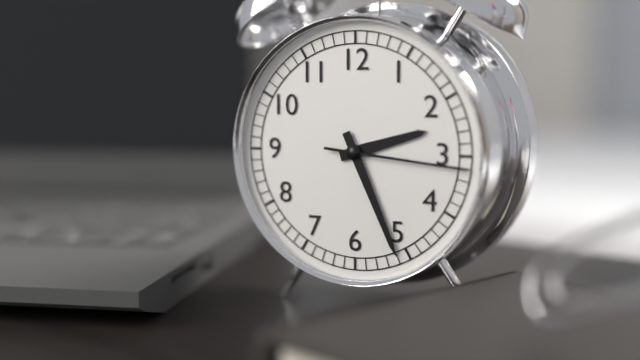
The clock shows h=2 m=26 s=16
